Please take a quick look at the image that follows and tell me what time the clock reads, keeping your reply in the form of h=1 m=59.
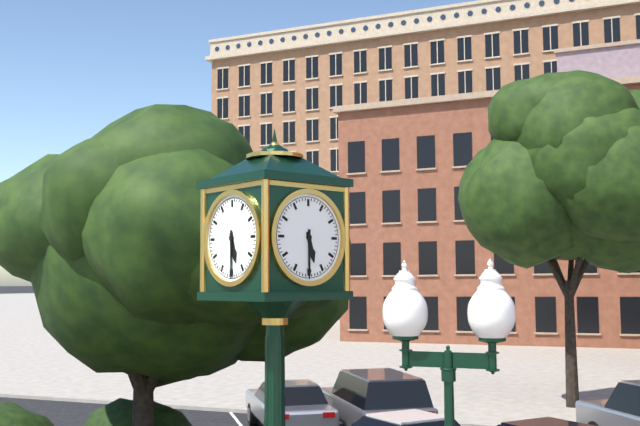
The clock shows h=5 m=30
